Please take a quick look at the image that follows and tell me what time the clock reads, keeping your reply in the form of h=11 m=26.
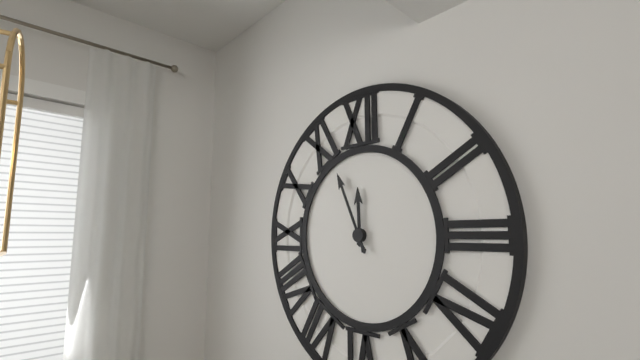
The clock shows h=11 m=56
